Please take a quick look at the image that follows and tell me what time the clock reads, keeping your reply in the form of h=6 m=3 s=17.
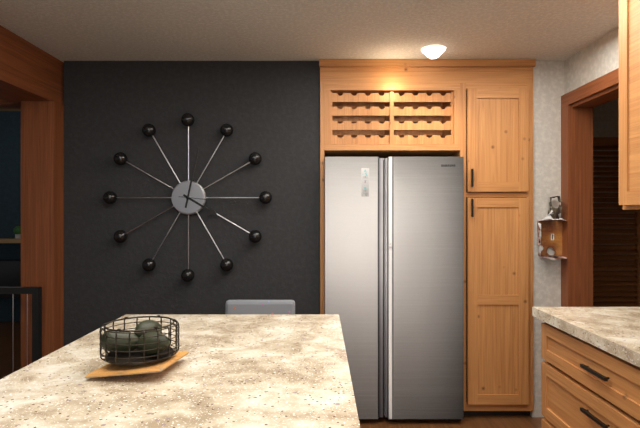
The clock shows h=4 m=2 s=16
